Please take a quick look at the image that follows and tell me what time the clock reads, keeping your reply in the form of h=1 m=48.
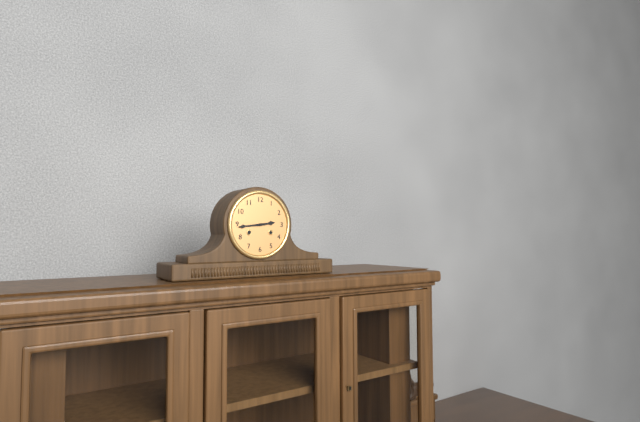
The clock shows h=2 m=44
